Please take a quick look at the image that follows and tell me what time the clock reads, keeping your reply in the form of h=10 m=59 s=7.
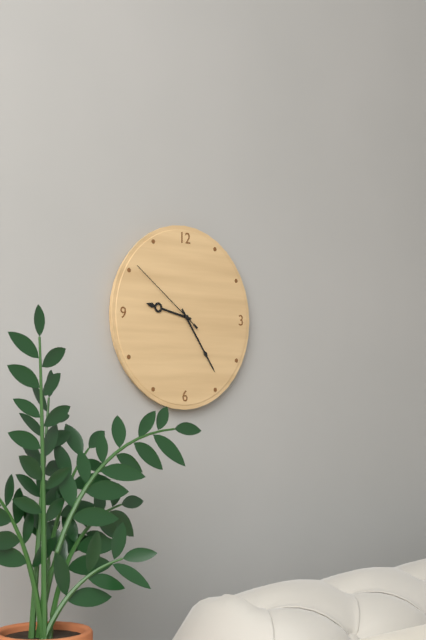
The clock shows h=9 m=24 s=51
